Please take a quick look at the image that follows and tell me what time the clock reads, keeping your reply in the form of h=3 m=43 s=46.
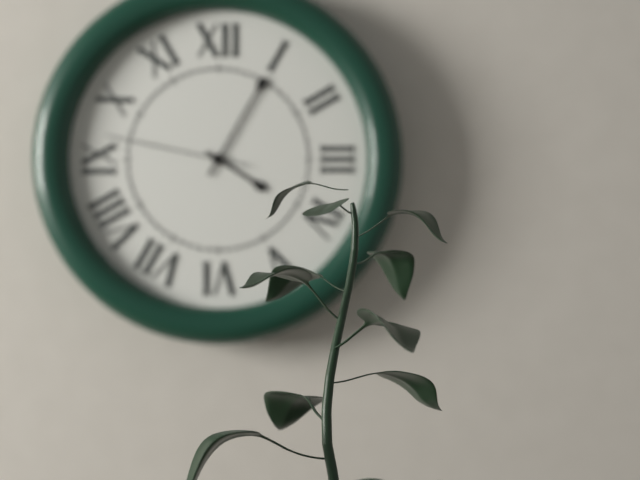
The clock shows h=4 m=5 s=47
